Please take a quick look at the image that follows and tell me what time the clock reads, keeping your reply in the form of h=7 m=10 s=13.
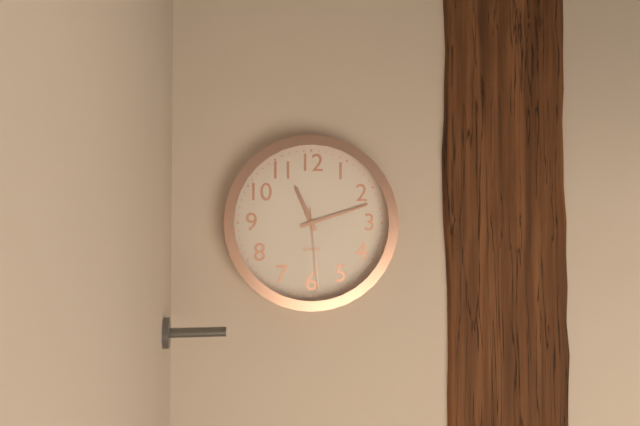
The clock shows h=11 m=12 s=29
